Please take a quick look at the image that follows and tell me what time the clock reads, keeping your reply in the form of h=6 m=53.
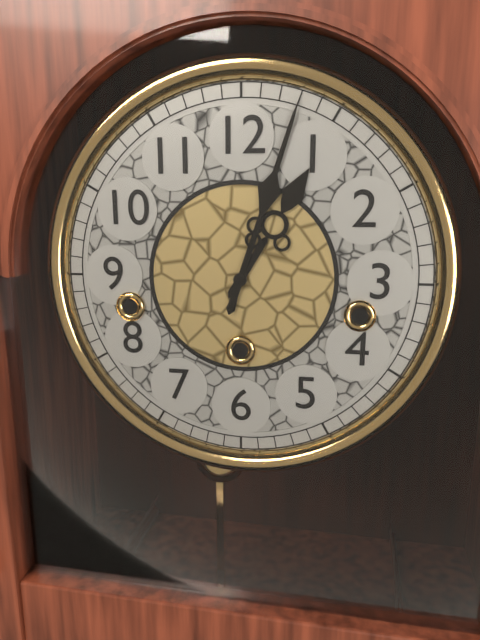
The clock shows h=1 m=3
